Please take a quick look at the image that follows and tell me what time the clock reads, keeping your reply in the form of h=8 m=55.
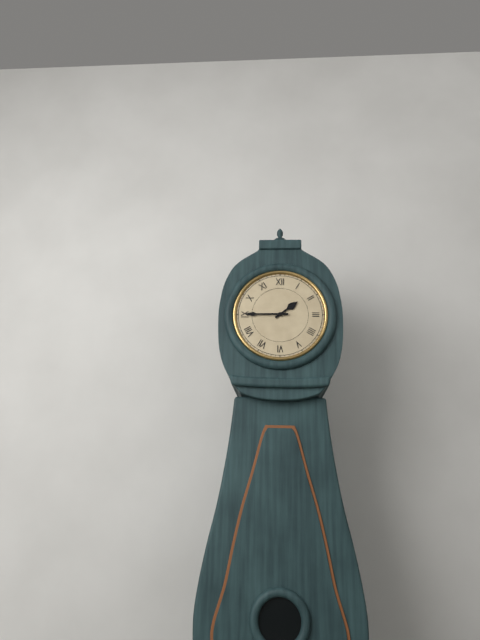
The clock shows h=1 m=45
